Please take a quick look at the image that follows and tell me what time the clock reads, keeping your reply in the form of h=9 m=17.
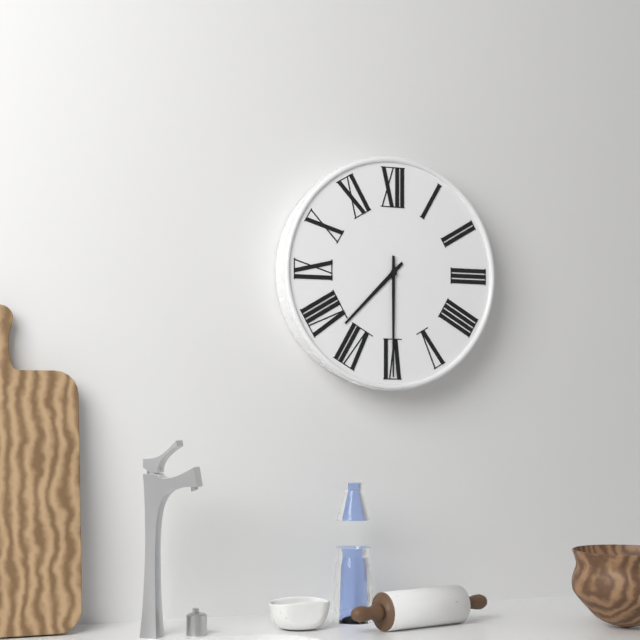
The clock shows h=7 m=30
